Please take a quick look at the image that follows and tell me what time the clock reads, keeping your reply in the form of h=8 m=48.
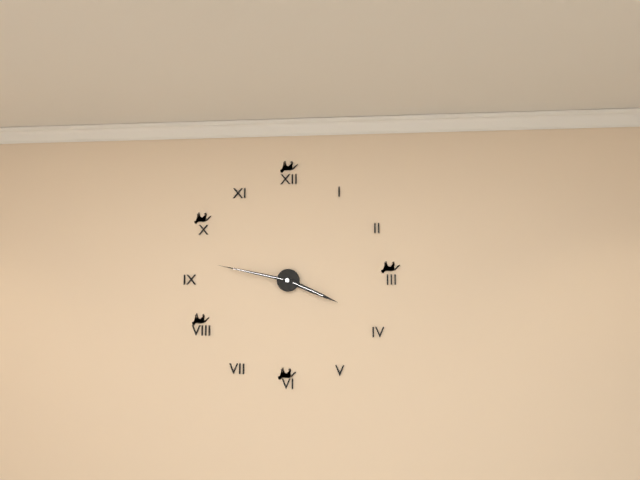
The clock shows h=3 m=47
